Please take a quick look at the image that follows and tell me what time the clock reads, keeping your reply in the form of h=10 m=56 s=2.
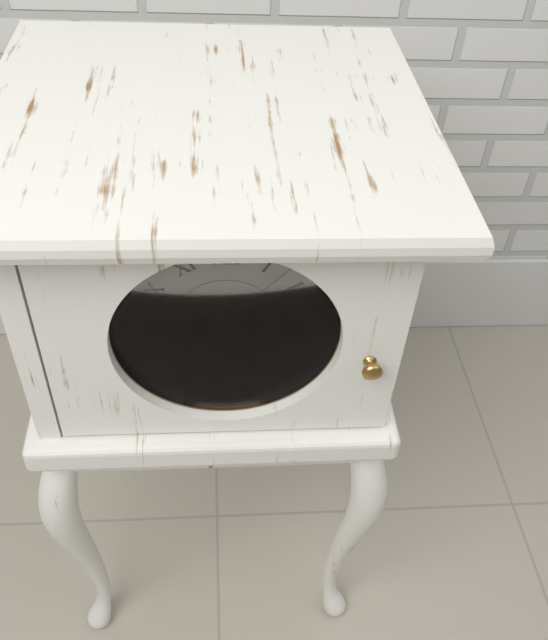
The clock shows h=6 m=44 s=7
